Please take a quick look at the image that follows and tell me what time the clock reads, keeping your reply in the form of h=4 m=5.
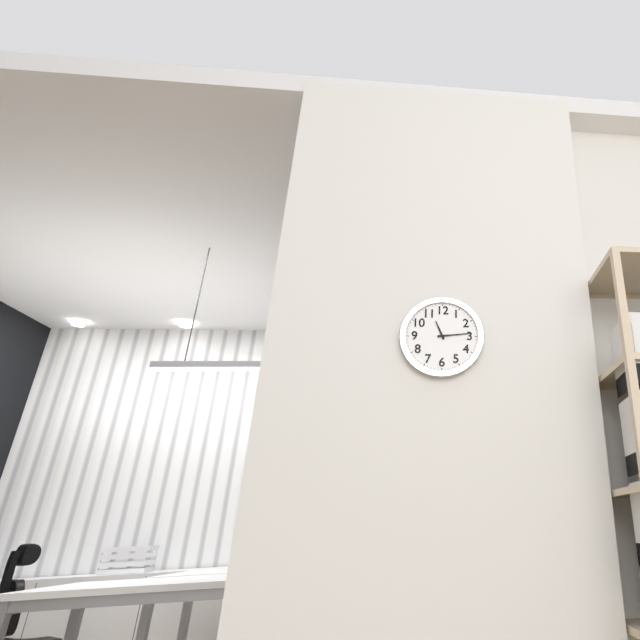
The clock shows h=11 m=14
